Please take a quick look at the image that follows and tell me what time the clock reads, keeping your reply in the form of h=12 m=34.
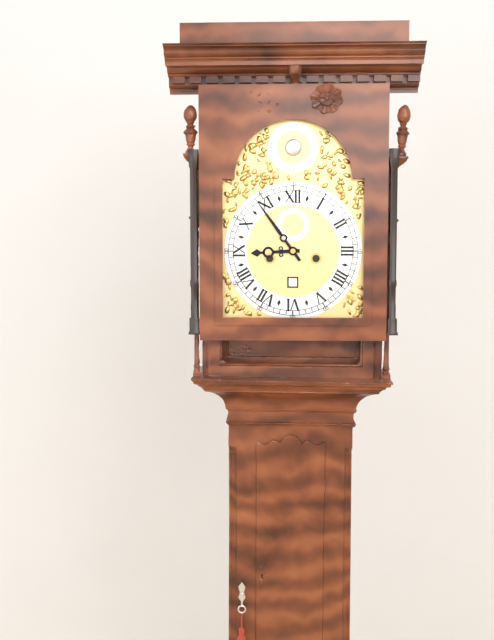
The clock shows h=8 m=54
